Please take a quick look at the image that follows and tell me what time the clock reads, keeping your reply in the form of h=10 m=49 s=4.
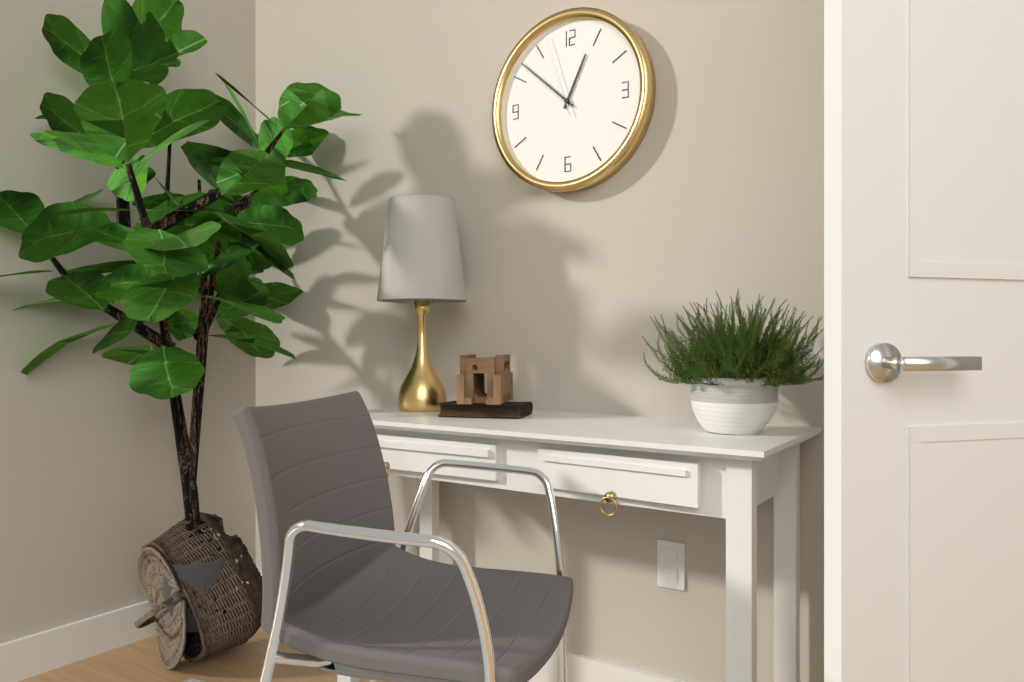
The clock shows h=12 m=52 s=57
